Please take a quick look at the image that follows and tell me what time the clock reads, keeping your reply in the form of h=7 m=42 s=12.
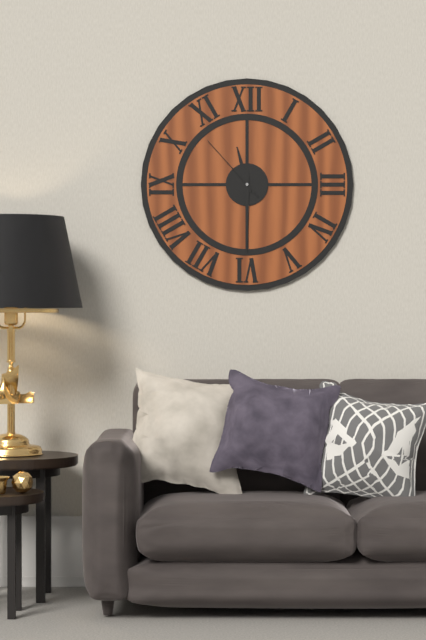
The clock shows h=11 m=30 s=53
